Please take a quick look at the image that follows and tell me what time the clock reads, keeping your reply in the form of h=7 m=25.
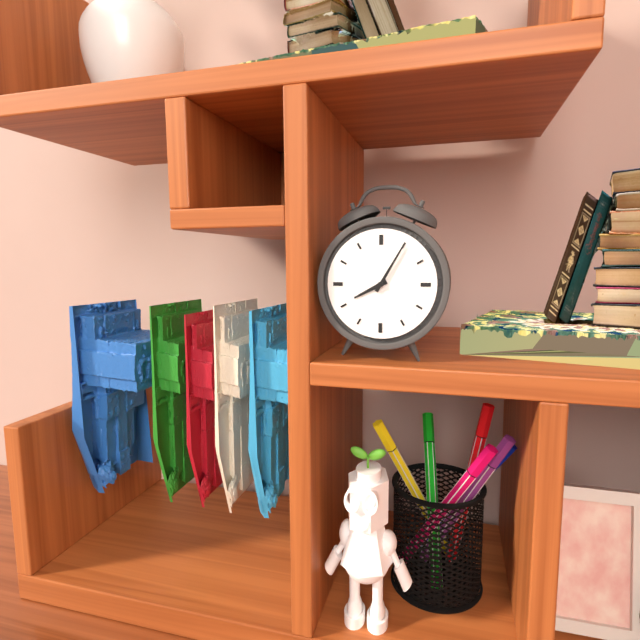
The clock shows h=8 m=5
